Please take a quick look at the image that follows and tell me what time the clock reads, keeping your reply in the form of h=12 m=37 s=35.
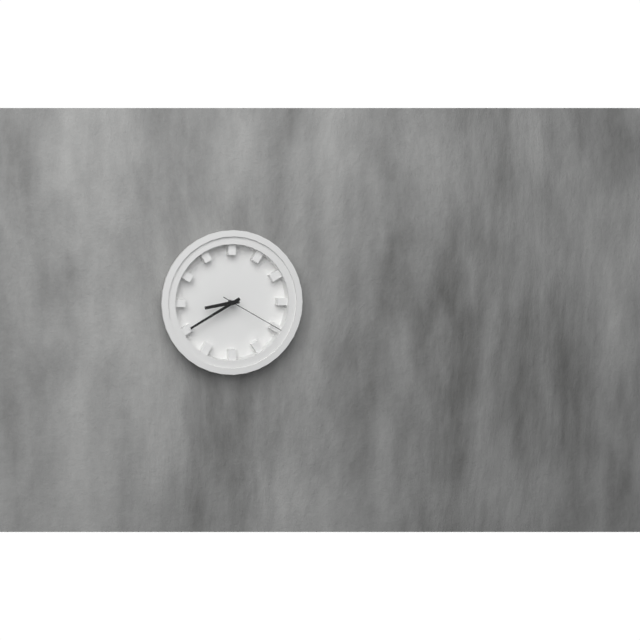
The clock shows h=8 m=40 s=20
